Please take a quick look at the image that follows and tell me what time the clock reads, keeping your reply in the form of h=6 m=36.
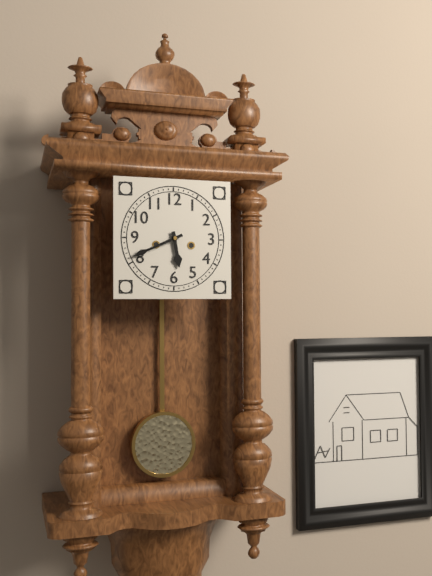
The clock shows h=5 m=41
